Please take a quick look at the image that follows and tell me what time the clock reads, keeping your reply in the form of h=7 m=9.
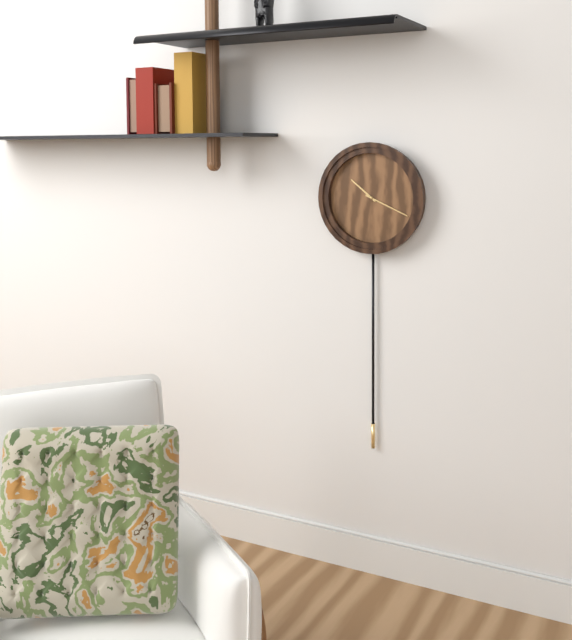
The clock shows h=10 m=19
